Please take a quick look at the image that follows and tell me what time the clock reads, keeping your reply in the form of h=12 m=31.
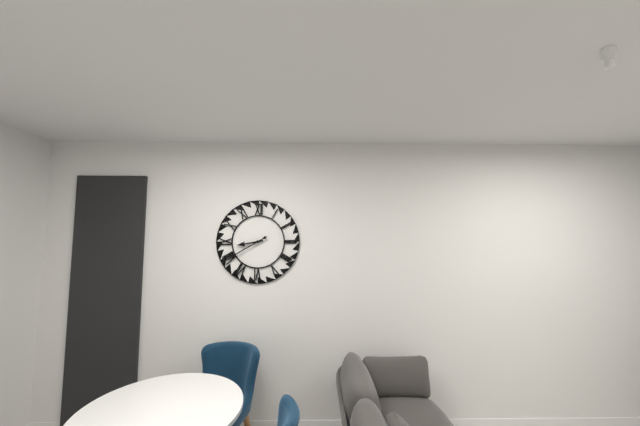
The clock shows h=8 m=40
